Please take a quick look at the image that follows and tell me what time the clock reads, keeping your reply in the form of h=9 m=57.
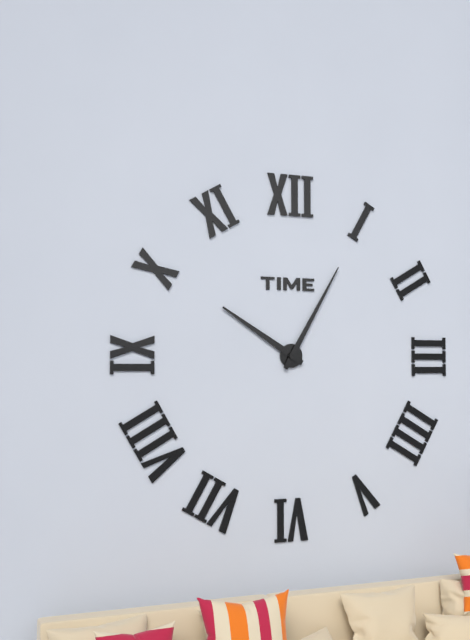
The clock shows h=10 m=5
